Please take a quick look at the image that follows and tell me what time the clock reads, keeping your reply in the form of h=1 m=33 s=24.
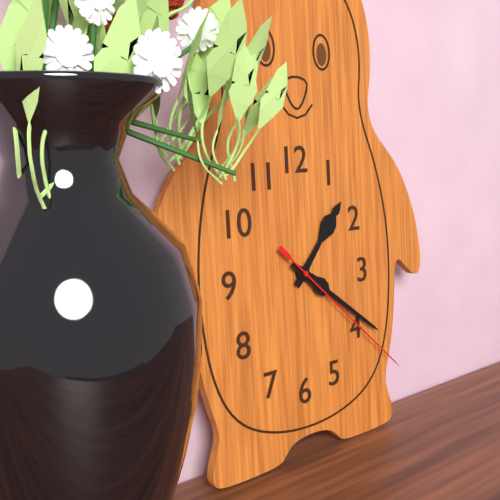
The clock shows h=1 m=21 s=22
